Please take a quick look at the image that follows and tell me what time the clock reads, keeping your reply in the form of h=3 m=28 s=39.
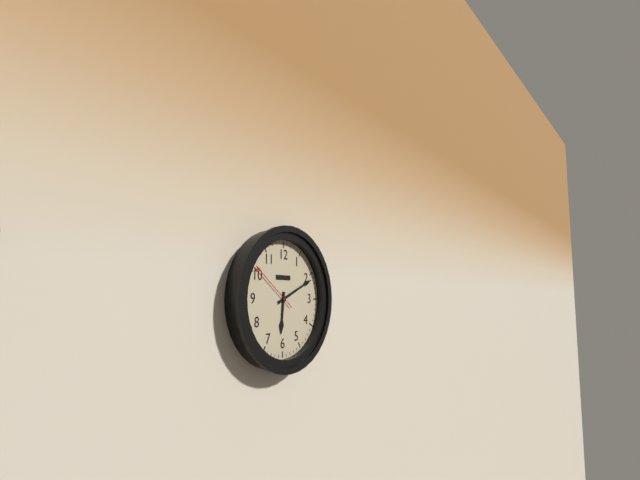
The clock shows h=6 m=11 s=51
